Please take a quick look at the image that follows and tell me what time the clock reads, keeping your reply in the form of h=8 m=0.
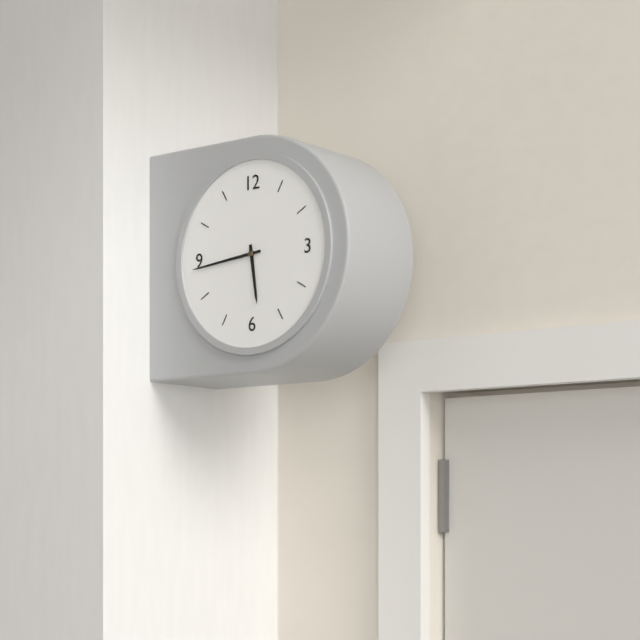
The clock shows h=5 m=44
